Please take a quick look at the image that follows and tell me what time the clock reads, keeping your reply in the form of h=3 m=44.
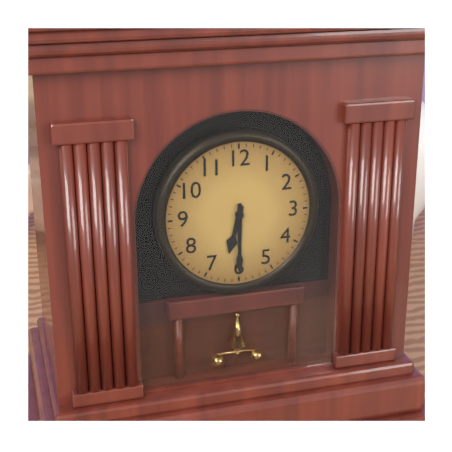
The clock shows h=6 m=30
